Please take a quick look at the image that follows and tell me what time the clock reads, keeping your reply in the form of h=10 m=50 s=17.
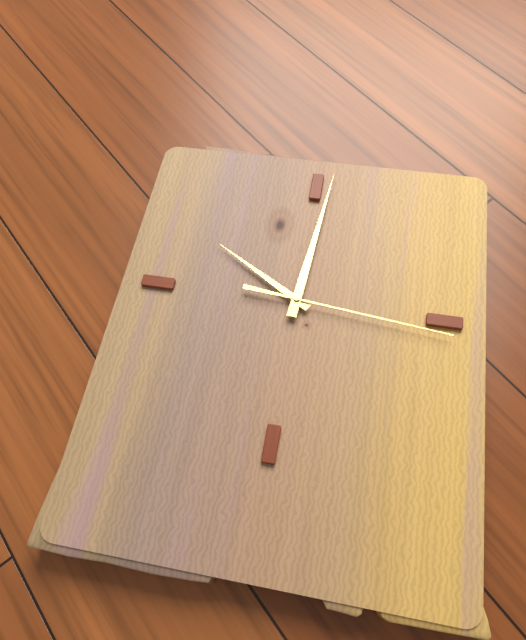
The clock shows h=10 m=1 s=16
